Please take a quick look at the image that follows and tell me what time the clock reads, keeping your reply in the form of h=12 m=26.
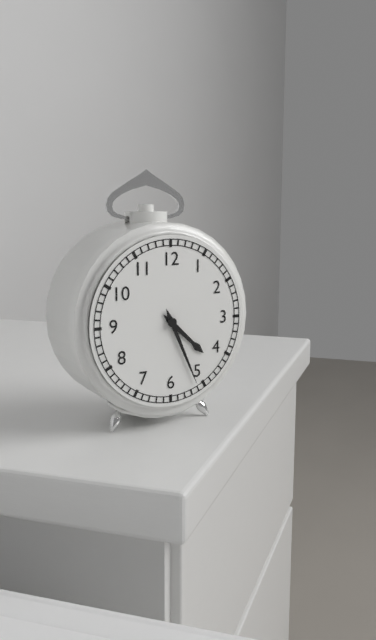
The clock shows h=4 m=26
